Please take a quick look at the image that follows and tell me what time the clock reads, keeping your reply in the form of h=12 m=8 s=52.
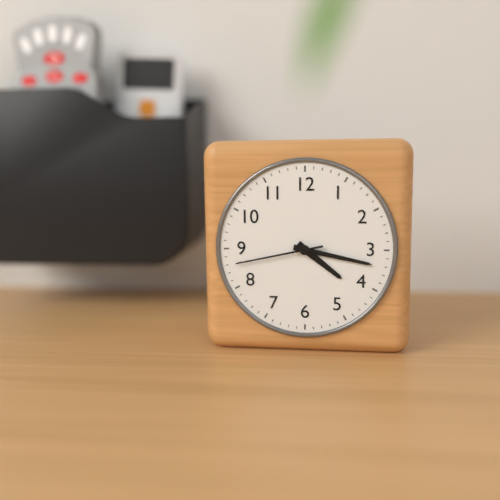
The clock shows h=4 m=17 s=43
